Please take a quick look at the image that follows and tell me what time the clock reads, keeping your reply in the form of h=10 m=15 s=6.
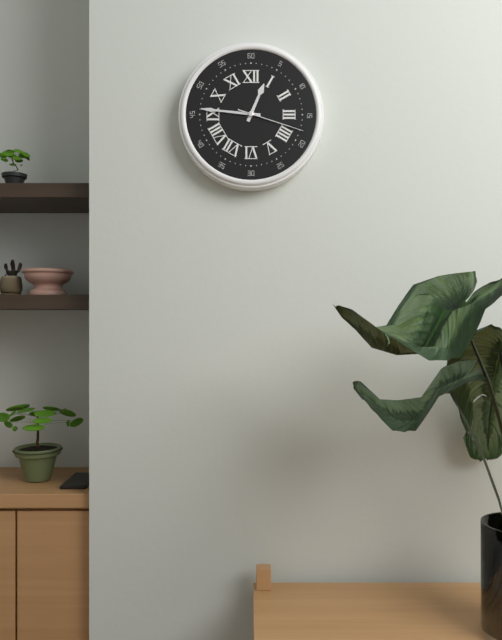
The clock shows h=12 m=46 s=18
